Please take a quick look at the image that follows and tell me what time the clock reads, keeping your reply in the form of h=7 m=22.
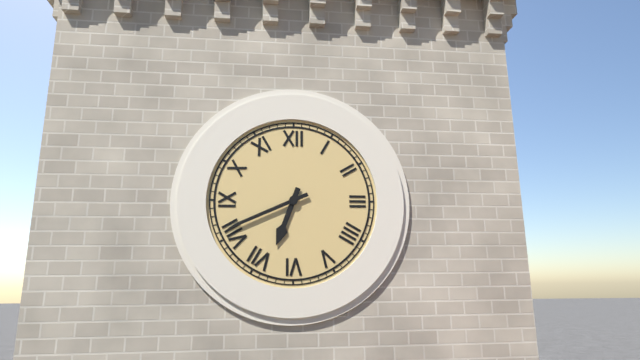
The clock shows h=6 m=41
